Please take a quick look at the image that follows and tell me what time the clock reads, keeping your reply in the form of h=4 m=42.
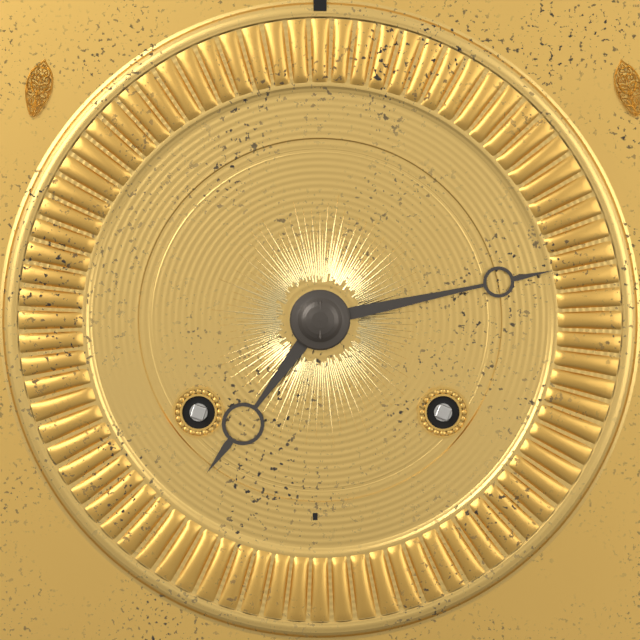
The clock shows h=7 m=13
